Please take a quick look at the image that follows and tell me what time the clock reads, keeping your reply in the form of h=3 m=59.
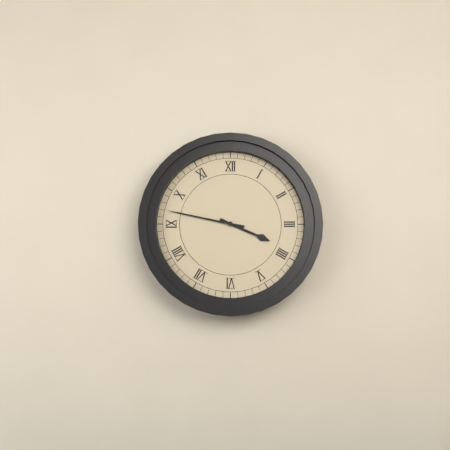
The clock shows h=3 m=47
